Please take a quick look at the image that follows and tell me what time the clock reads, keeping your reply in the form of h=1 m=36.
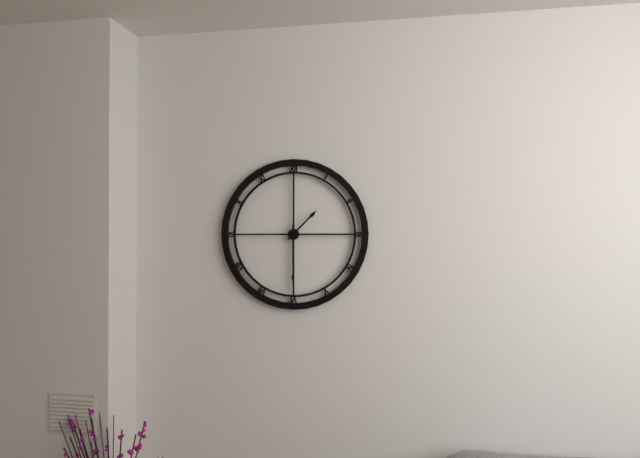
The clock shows h=1 m=30
